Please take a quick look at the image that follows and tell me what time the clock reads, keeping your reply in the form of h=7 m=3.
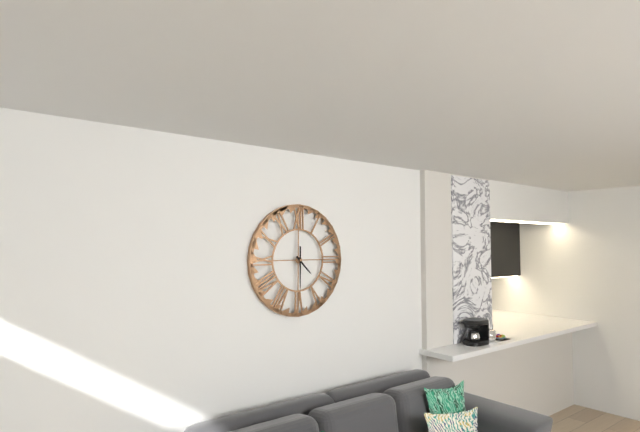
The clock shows h=4 m=30
